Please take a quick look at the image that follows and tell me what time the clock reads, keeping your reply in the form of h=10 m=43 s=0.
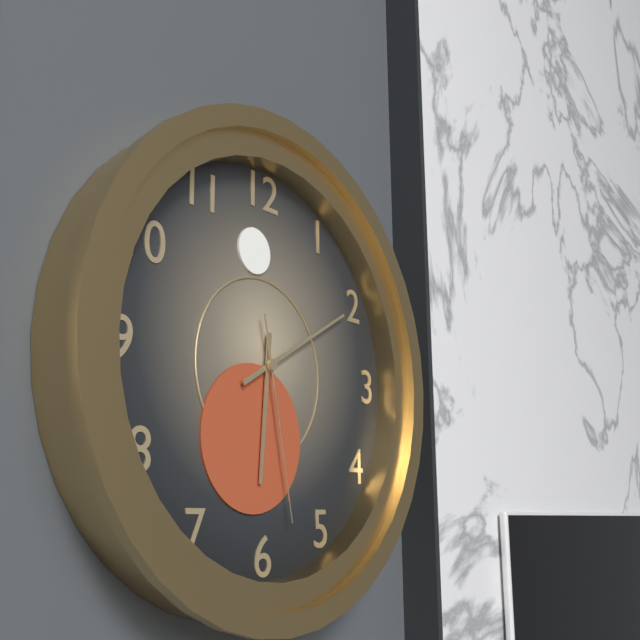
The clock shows h=6 m=10 s=28
